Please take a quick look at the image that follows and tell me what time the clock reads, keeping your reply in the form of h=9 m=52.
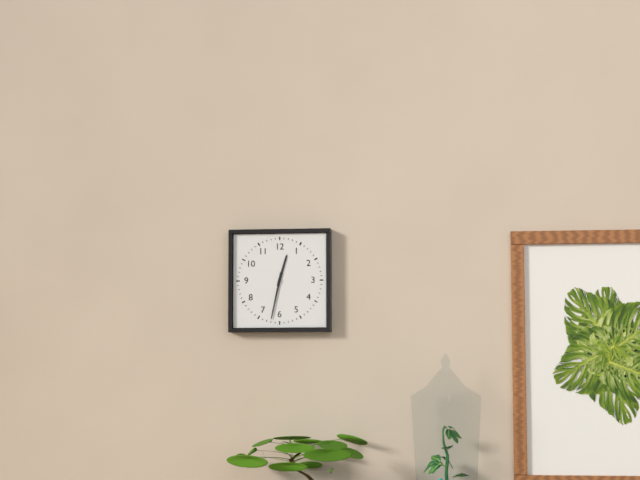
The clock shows h=12 m=32
